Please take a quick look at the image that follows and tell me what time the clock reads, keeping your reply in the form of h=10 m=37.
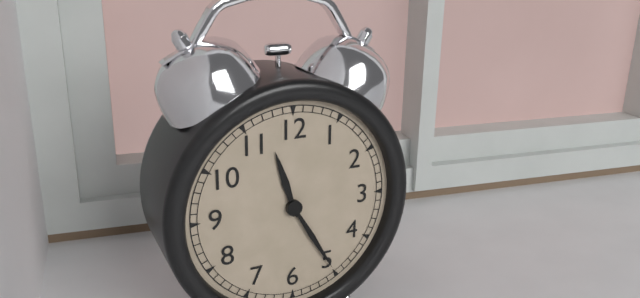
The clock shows h=11 m=25
